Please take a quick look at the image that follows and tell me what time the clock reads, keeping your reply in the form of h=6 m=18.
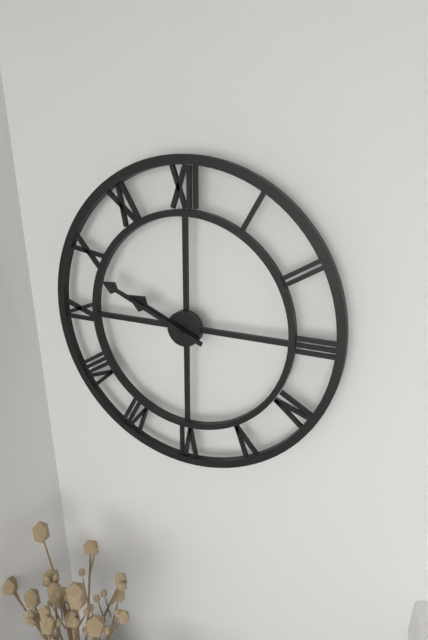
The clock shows h=9 m=49
